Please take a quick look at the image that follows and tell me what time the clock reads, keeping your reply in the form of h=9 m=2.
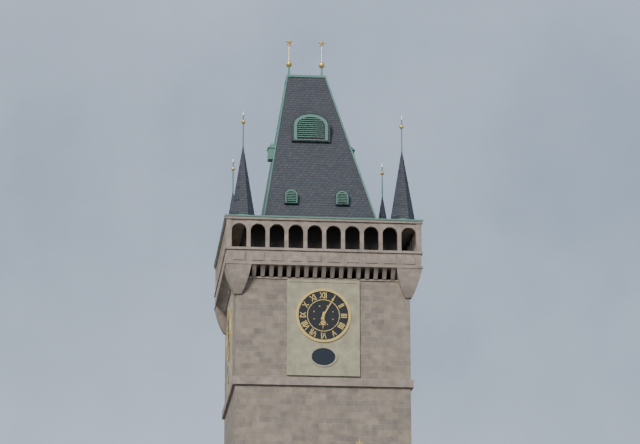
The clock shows h=6 m=5
